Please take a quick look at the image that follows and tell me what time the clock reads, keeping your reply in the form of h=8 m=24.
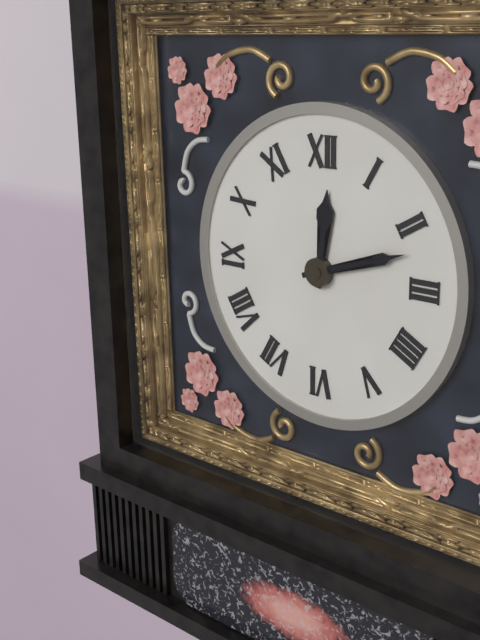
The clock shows h=12 m=12
